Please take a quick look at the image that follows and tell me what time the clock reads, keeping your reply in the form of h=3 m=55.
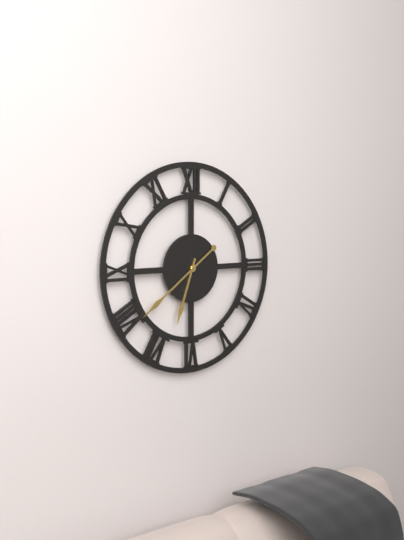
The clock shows h=6 m=39
